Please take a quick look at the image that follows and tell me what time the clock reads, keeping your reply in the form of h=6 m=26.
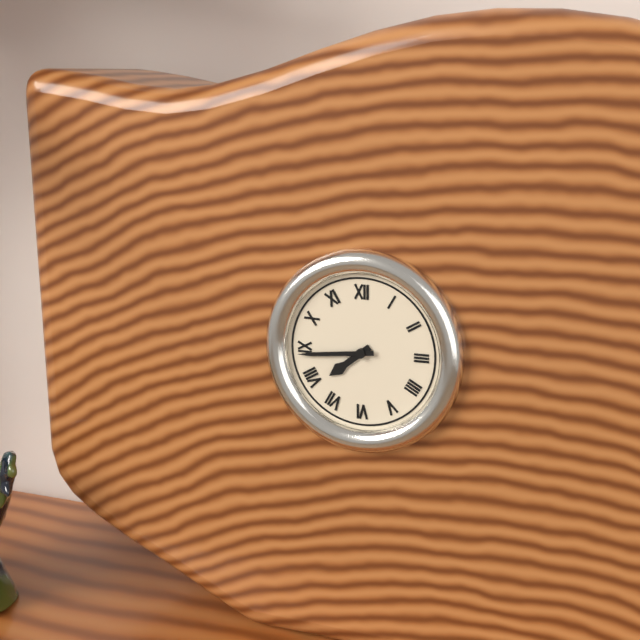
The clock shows h=7 m=44
